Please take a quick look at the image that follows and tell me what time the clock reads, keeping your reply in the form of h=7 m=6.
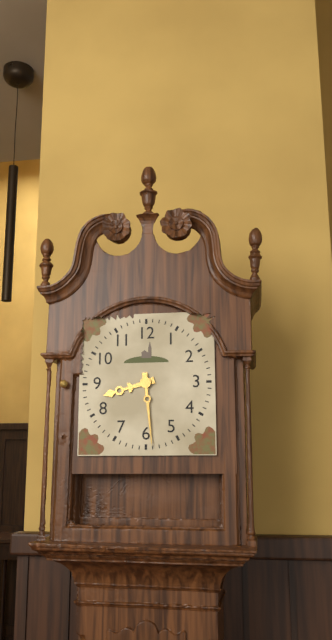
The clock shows h=8 m=29
